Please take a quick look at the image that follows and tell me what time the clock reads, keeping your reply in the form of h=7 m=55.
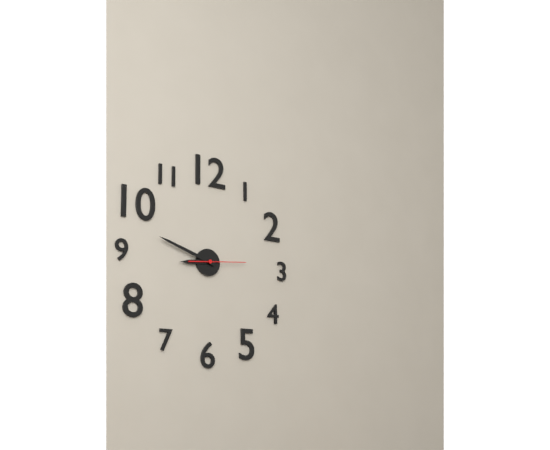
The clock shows h=8 m=48
